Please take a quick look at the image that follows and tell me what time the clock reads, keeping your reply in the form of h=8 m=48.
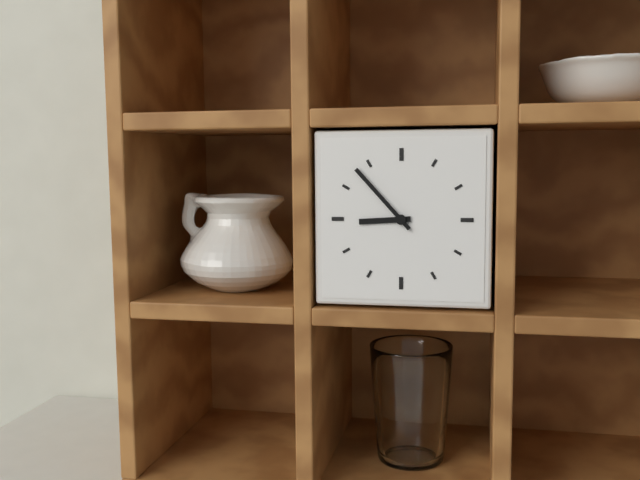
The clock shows h=8 m=53
